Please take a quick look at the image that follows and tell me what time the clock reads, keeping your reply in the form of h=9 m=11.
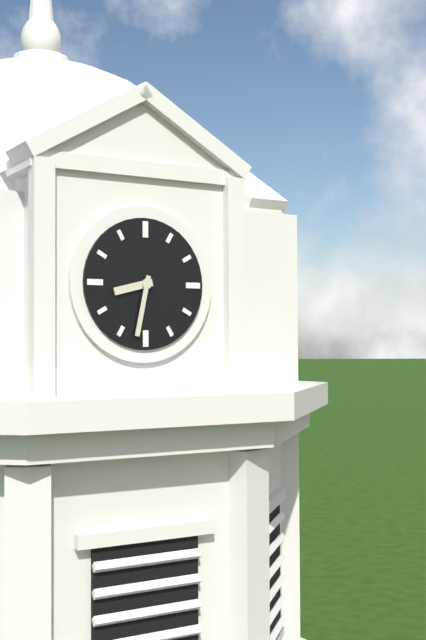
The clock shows h=8 m=32
